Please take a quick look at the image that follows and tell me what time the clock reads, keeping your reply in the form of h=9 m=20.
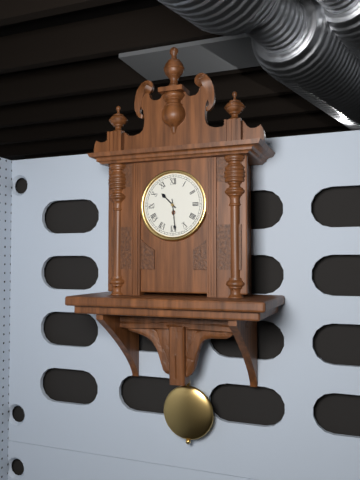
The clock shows h=10 m=29
